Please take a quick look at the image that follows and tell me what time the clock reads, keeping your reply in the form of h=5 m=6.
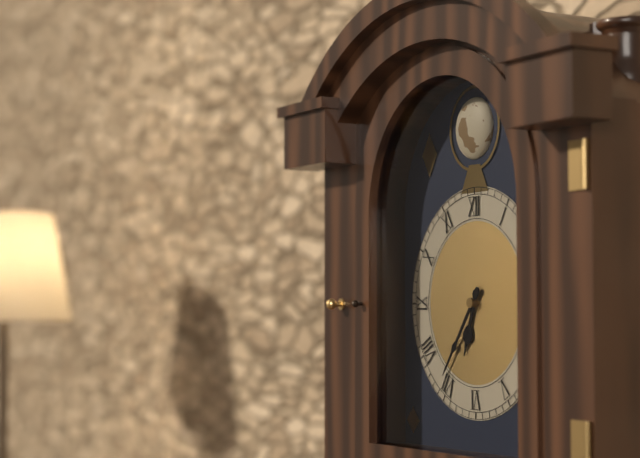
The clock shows h=6 m=36
